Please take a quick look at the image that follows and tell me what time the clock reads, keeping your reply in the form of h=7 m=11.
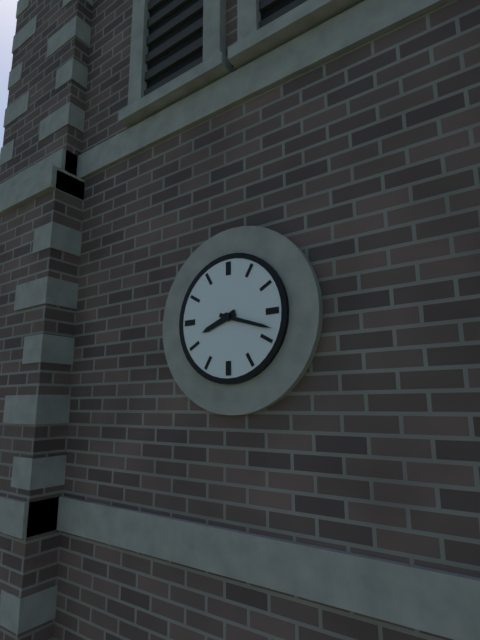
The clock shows h=8 m=18
